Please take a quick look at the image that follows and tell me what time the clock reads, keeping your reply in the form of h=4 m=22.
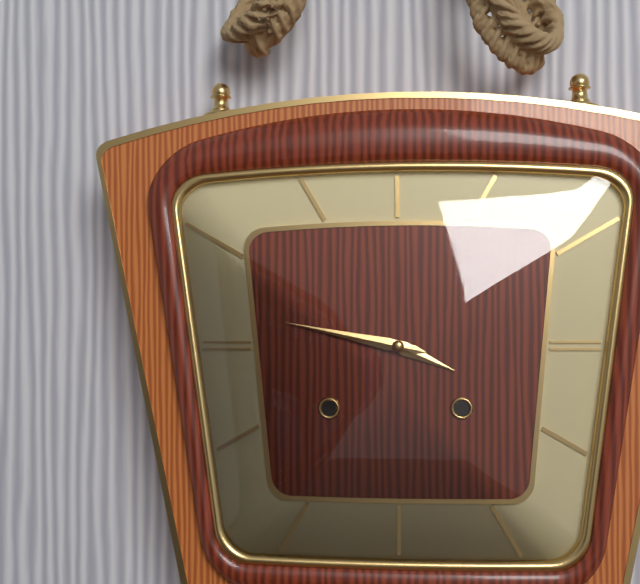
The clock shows h=3 m=47
